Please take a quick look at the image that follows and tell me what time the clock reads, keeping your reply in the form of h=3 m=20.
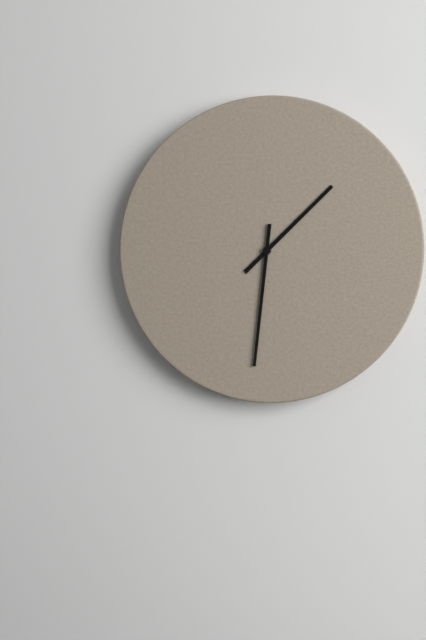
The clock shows h=1 m=31
